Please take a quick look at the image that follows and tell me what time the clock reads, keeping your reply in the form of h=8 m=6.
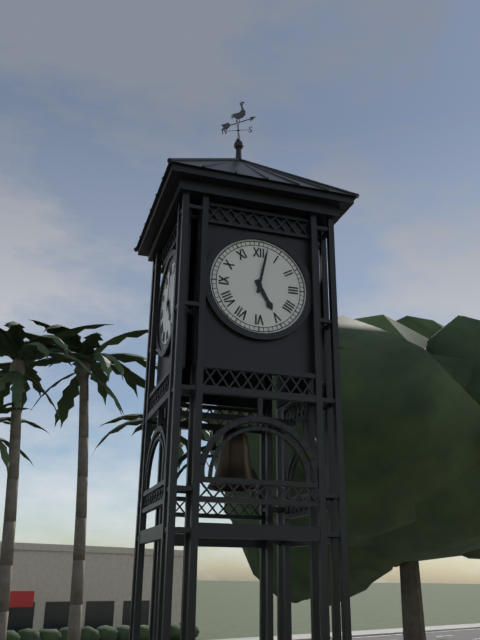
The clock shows h=5 m=2
